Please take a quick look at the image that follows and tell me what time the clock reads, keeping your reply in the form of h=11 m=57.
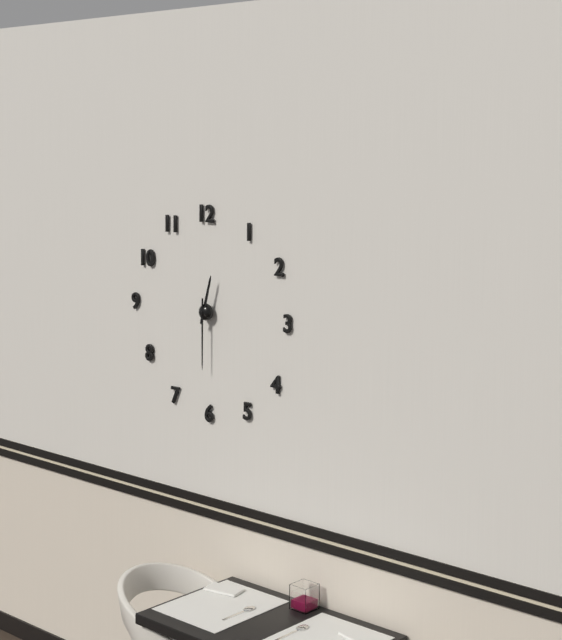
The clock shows h=12 m=30
